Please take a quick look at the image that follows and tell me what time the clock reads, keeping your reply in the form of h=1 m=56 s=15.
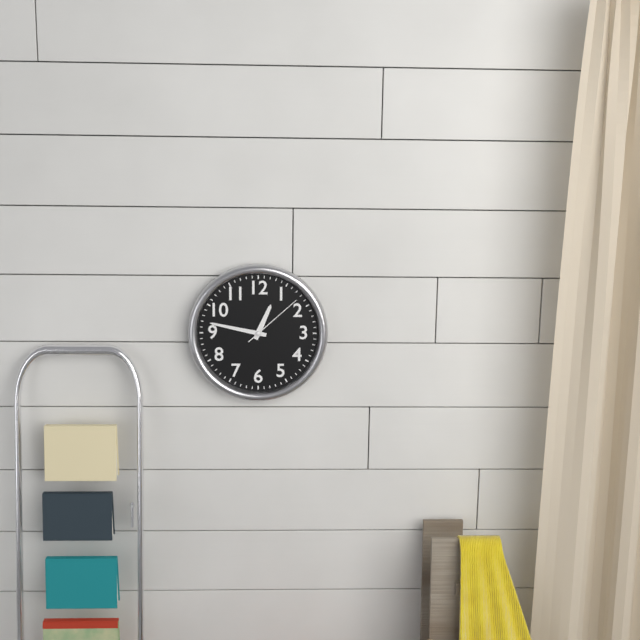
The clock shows h=12 m=47 s=8
